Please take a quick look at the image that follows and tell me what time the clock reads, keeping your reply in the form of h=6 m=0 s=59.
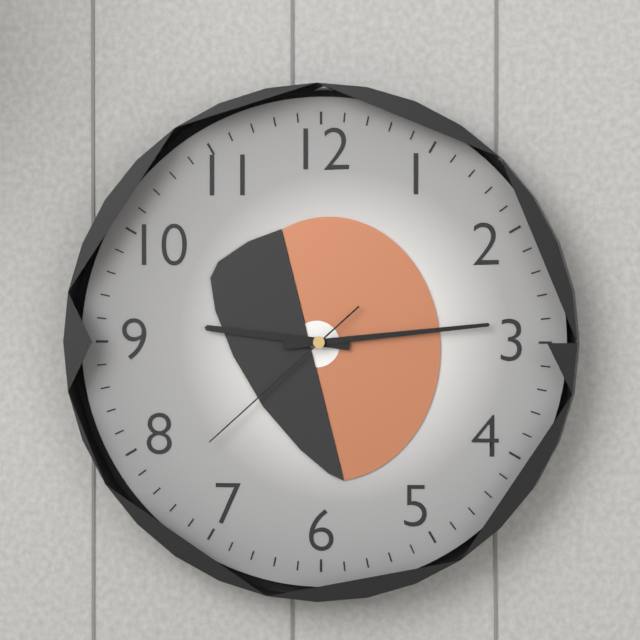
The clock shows h=9 m=14 s=38
